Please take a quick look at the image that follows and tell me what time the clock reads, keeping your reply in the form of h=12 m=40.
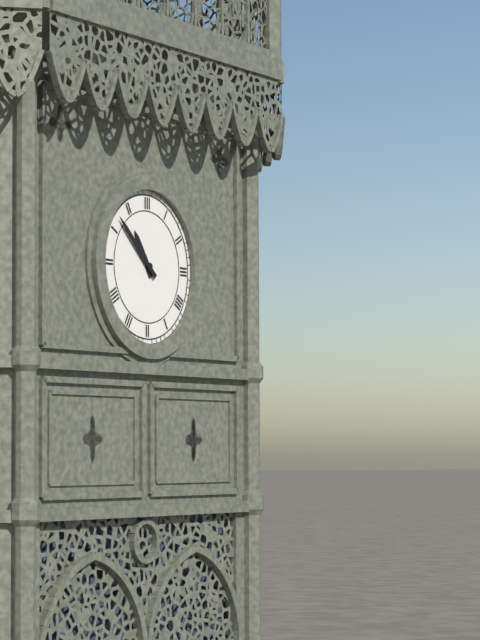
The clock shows h=10 m=52
